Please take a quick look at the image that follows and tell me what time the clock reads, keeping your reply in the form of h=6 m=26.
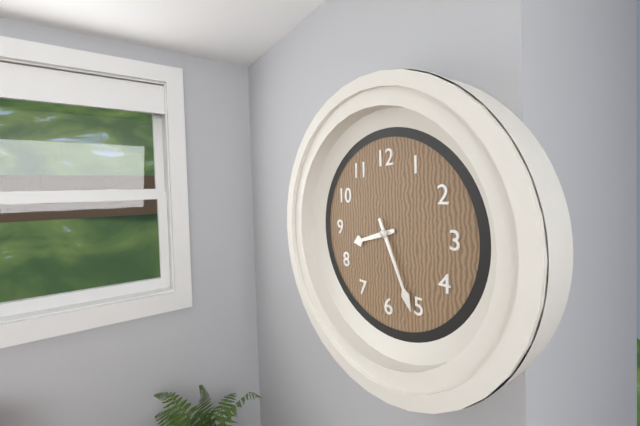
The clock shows h=8 m=26
